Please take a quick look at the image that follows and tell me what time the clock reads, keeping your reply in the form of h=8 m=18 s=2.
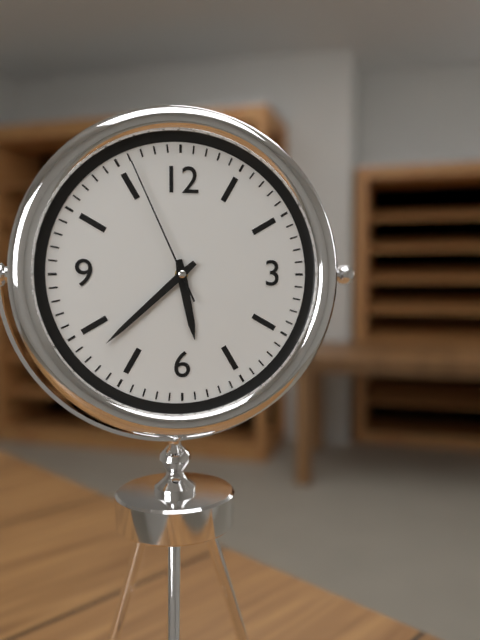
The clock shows h=5 m=38 s=56
